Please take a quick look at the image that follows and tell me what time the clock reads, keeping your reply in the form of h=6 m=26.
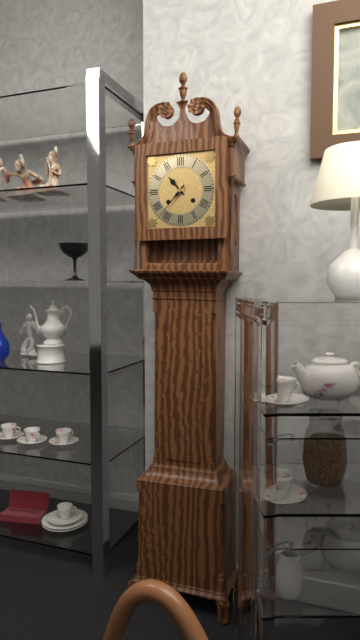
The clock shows h=10 m=37
